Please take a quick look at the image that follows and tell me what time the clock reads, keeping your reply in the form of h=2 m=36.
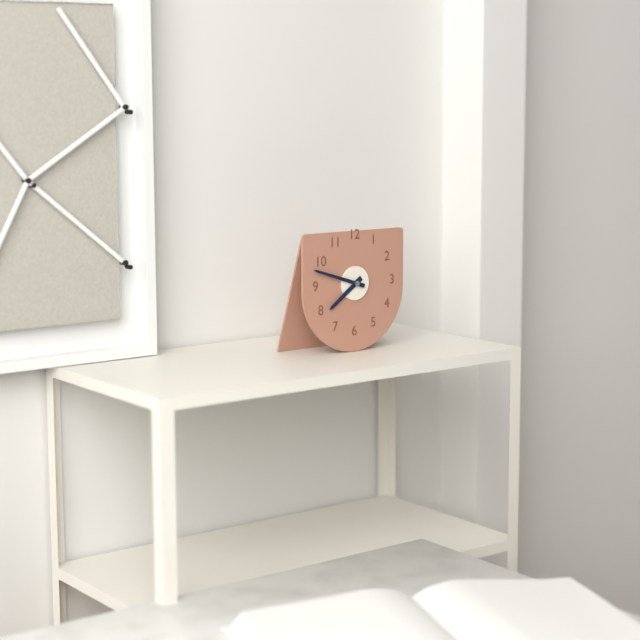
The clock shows h=7 m=48
